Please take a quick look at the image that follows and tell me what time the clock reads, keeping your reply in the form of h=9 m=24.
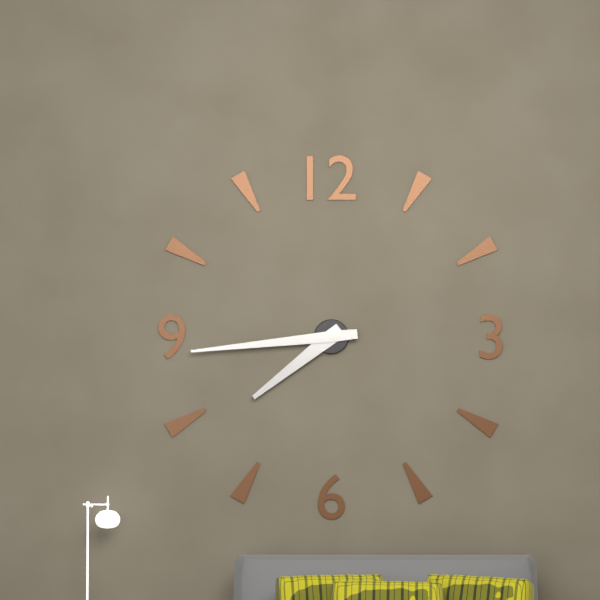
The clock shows h=7 m=44
